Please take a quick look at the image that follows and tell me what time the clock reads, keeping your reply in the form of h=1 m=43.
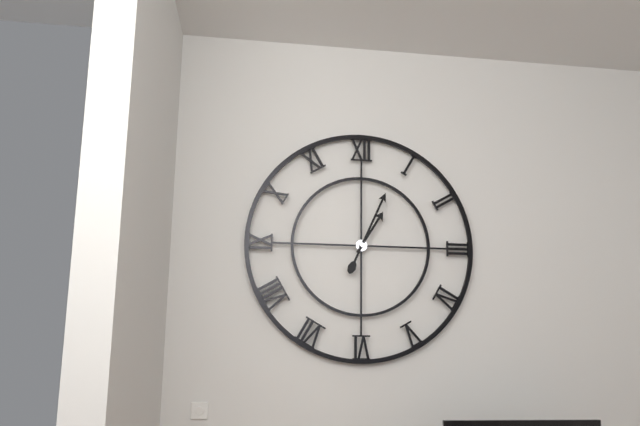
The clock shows h=1 m=4
